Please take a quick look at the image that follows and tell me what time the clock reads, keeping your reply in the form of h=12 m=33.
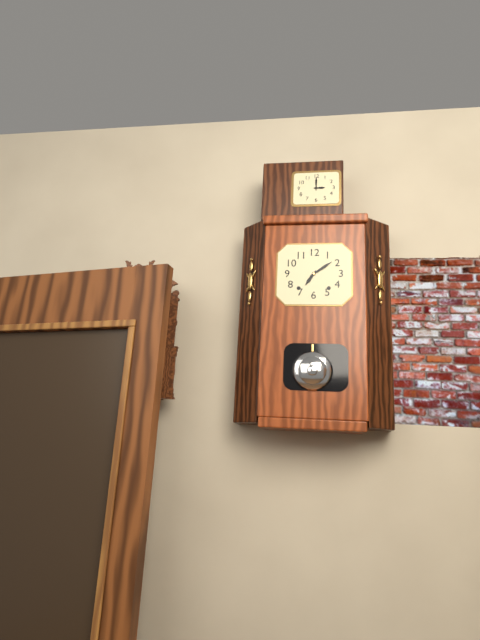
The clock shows h=7 m=9
